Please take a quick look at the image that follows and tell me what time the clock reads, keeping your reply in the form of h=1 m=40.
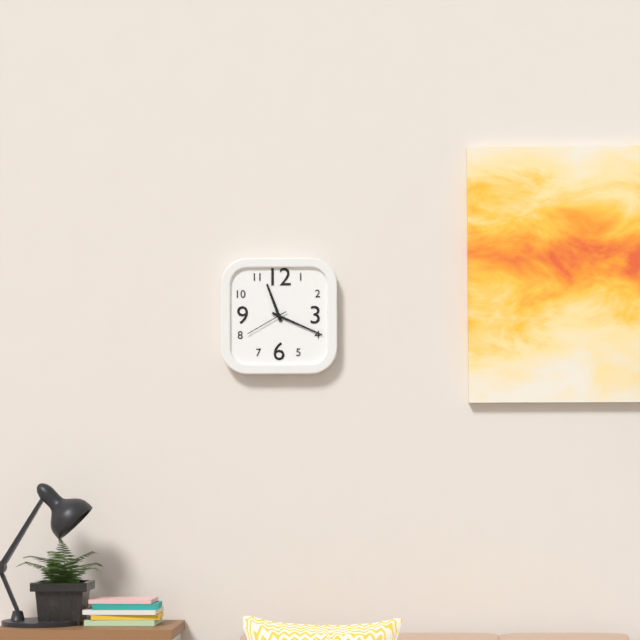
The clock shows h=11 m=19
